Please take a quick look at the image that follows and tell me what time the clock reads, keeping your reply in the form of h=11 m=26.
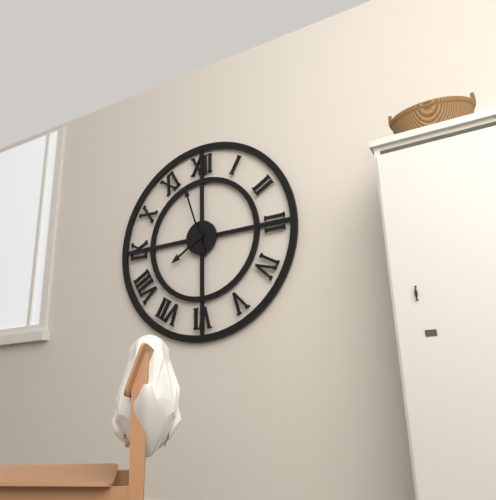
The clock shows h=7 m=57
